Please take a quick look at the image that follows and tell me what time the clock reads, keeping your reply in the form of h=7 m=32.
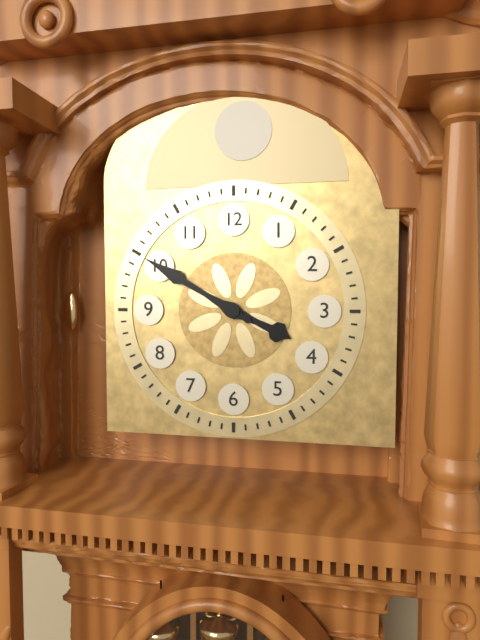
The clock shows h=3 m=50
